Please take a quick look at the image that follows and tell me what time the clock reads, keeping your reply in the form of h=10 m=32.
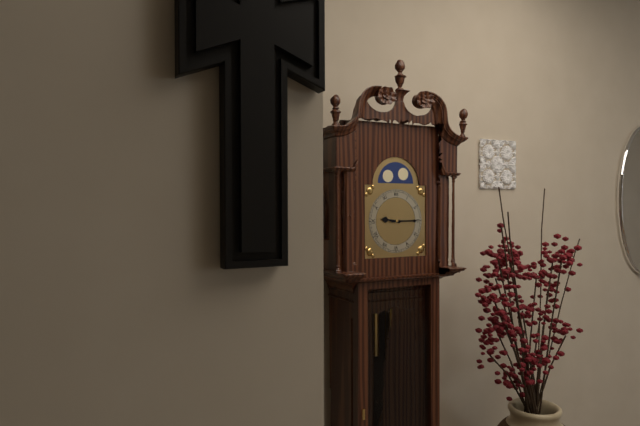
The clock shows h=9 m=15
